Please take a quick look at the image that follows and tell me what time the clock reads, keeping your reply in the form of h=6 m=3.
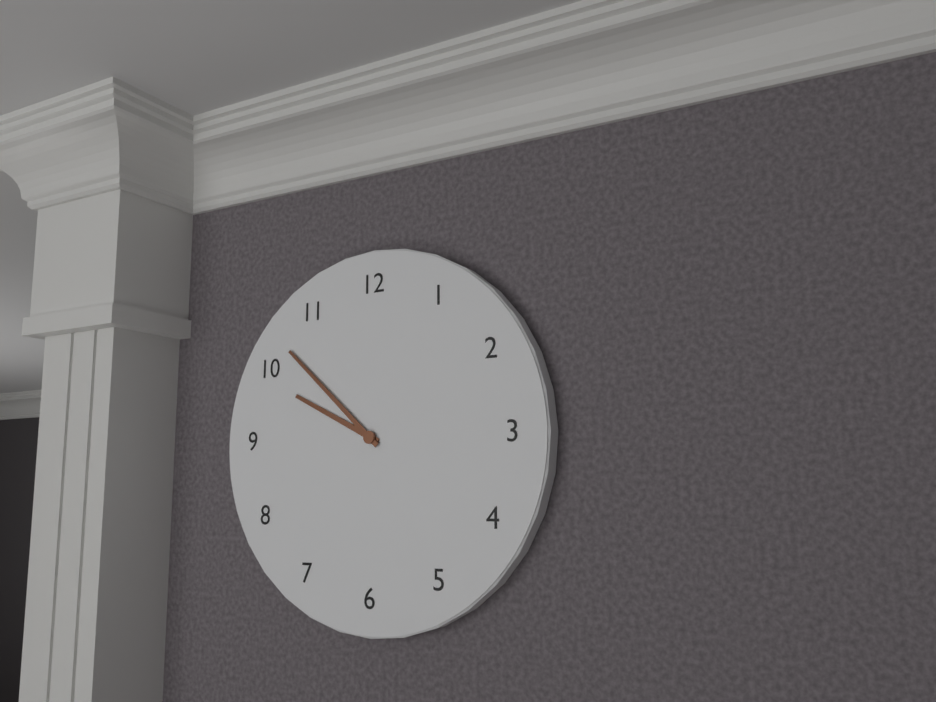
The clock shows h=9 m=52
